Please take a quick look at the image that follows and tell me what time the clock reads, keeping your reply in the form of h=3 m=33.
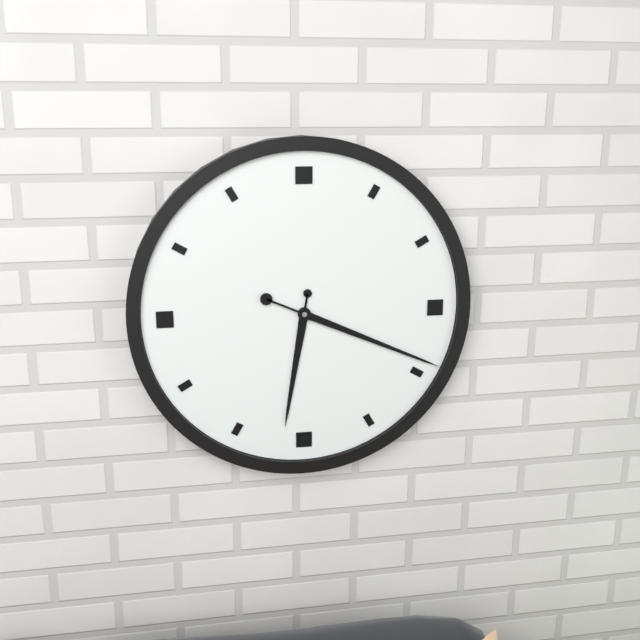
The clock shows h=6 m=19
